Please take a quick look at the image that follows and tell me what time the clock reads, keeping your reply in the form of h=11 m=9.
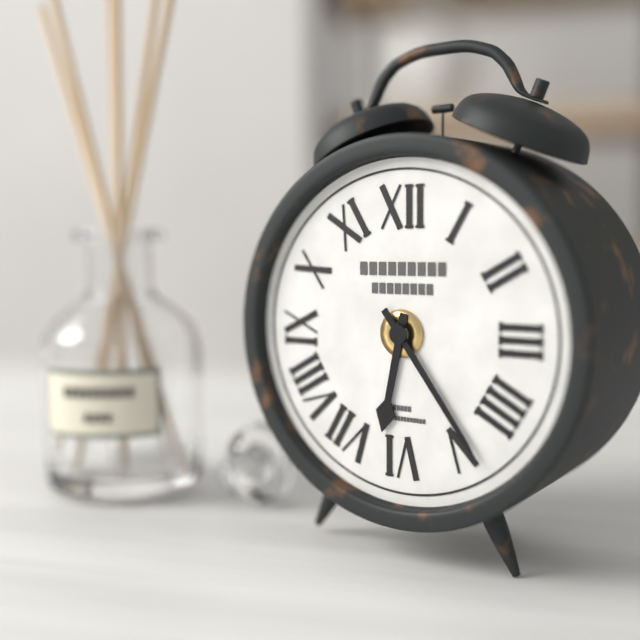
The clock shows h=6 m=24
